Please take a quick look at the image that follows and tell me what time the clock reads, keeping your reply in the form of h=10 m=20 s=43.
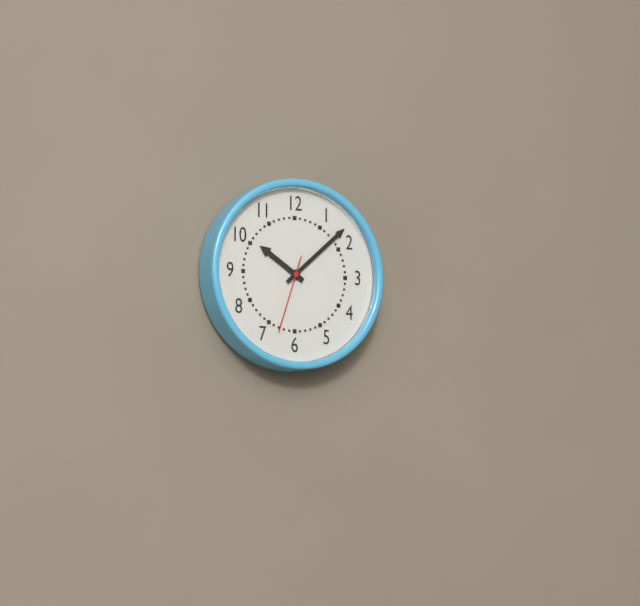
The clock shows h=10 m=8 s=33
